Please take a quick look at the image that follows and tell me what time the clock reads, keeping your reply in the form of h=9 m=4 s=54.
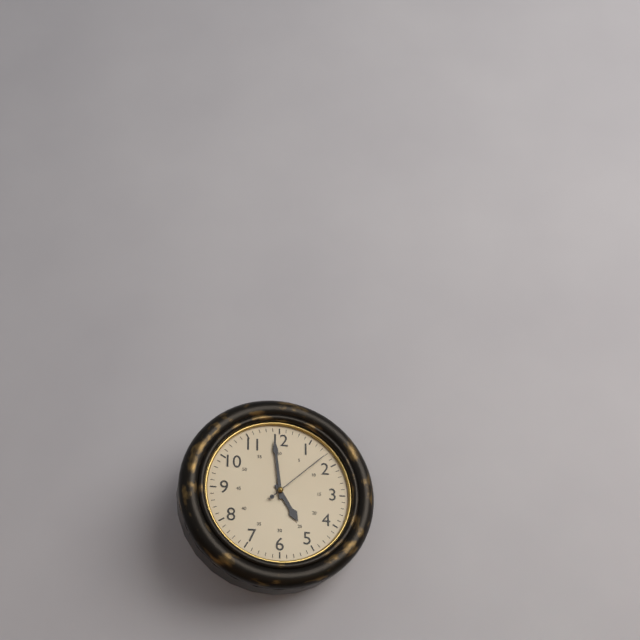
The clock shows h=4 m=59 s=8
